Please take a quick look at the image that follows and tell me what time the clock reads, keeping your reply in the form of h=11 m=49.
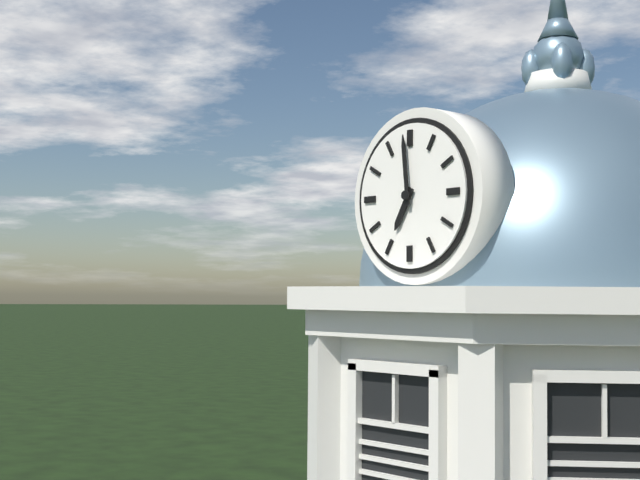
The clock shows h=6 m=59
